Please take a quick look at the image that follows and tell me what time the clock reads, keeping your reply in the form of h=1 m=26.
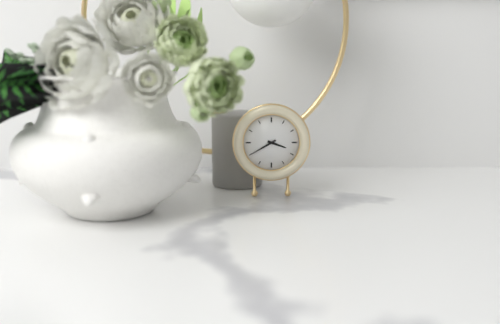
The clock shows h=3 m=40
